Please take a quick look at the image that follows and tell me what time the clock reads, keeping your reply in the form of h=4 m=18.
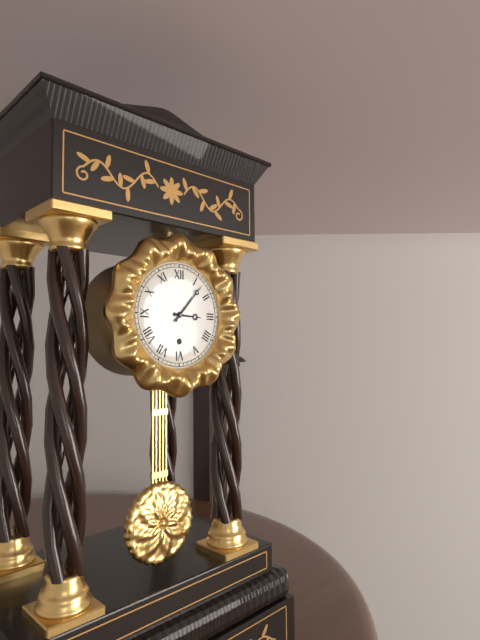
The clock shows h=3 m=7
